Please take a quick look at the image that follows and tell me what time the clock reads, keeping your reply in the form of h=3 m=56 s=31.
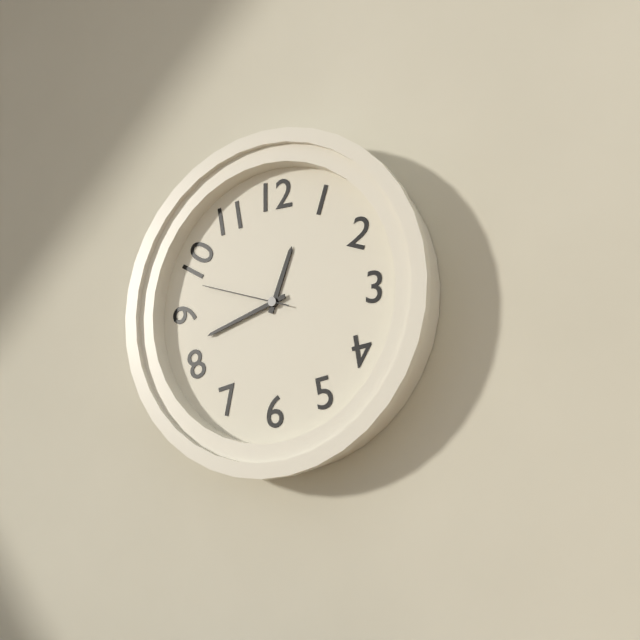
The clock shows h=12 m=42 s=48
